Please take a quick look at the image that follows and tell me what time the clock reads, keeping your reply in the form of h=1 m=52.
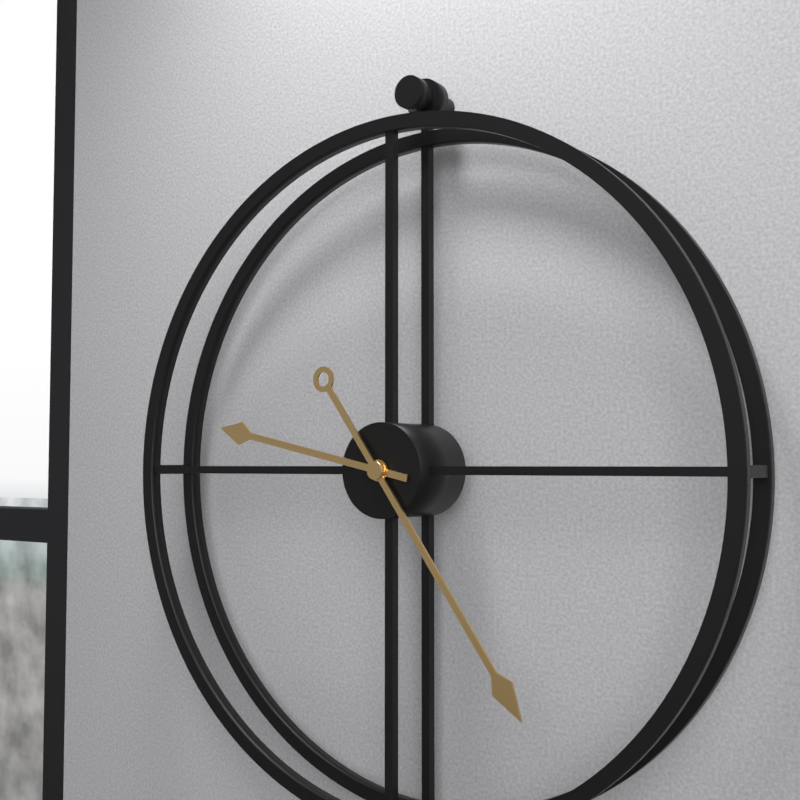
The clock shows h=9 m=24
